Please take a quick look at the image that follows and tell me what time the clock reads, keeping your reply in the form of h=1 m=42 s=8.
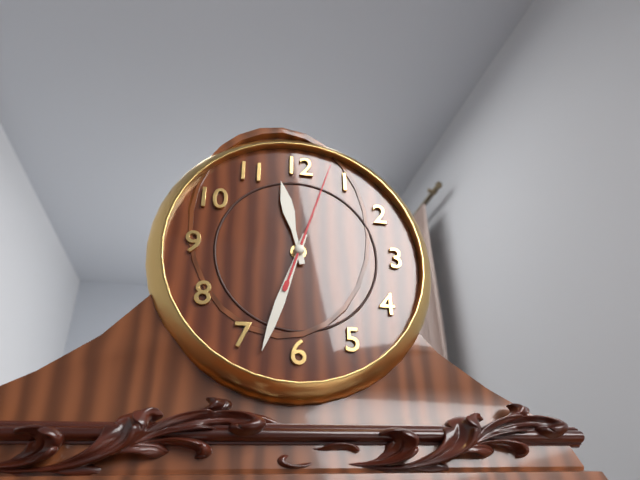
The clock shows h=11 m=33 s=3
